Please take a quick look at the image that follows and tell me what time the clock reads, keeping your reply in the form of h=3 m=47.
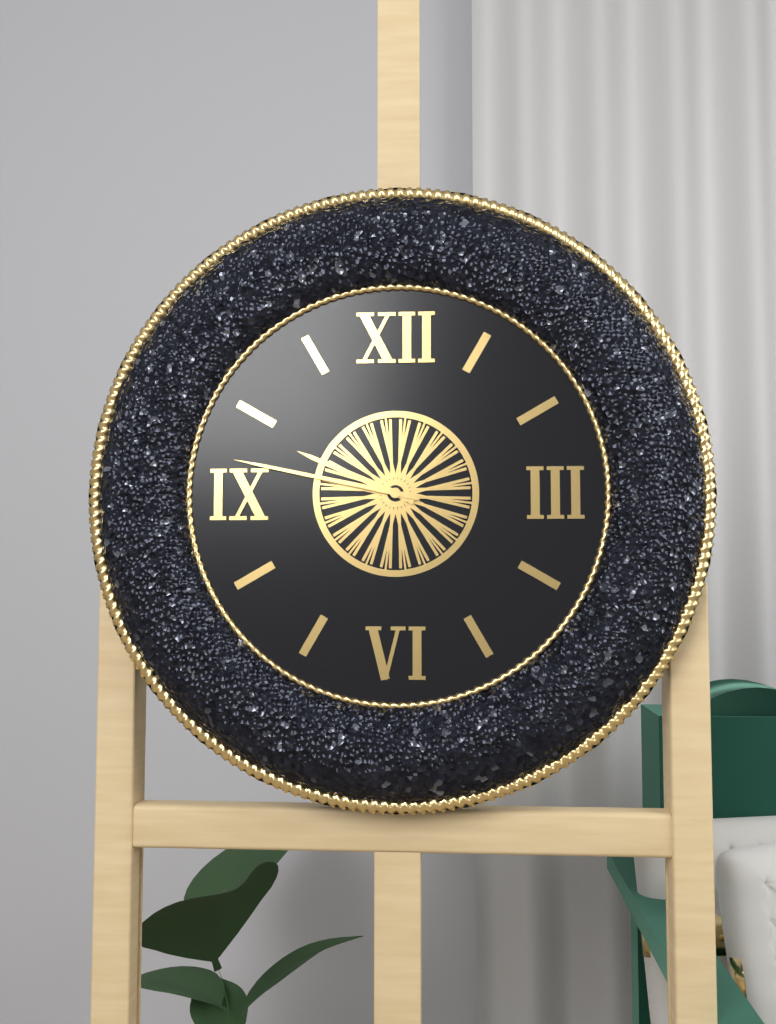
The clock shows h=9 m=47
